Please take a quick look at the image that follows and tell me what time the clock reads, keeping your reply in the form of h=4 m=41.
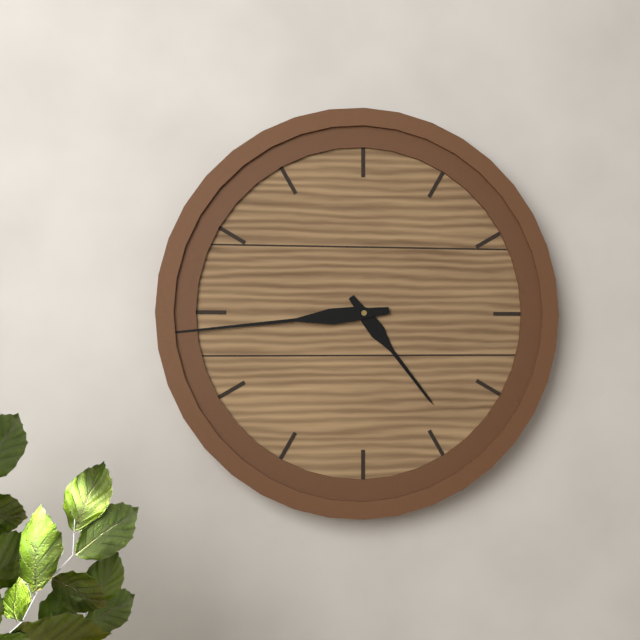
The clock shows h=4 m=44
